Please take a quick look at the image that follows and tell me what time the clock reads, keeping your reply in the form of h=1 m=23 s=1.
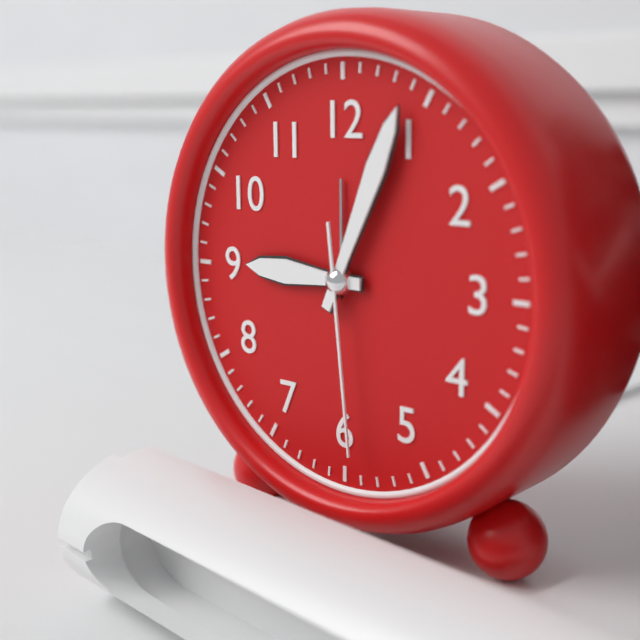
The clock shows h=9 m=4 s=29
